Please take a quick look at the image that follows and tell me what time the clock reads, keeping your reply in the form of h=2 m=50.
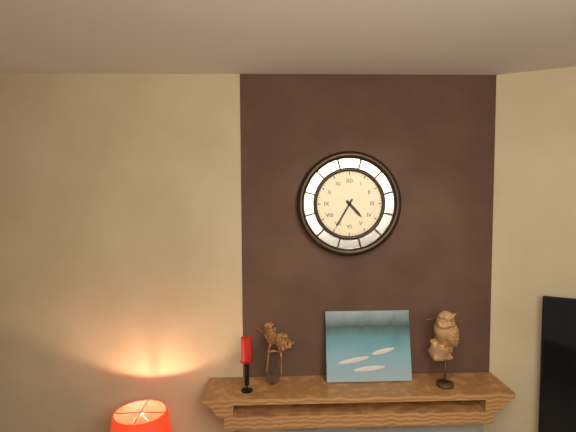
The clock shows h=4 m=35
